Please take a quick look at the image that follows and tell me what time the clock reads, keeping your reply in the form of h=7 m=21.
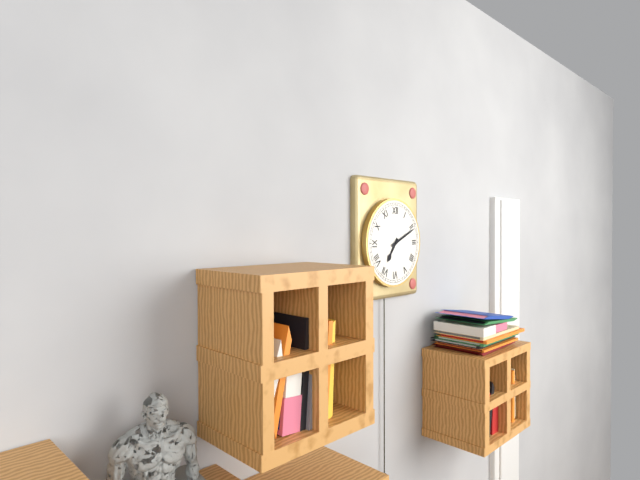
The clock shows h=7 m=11
